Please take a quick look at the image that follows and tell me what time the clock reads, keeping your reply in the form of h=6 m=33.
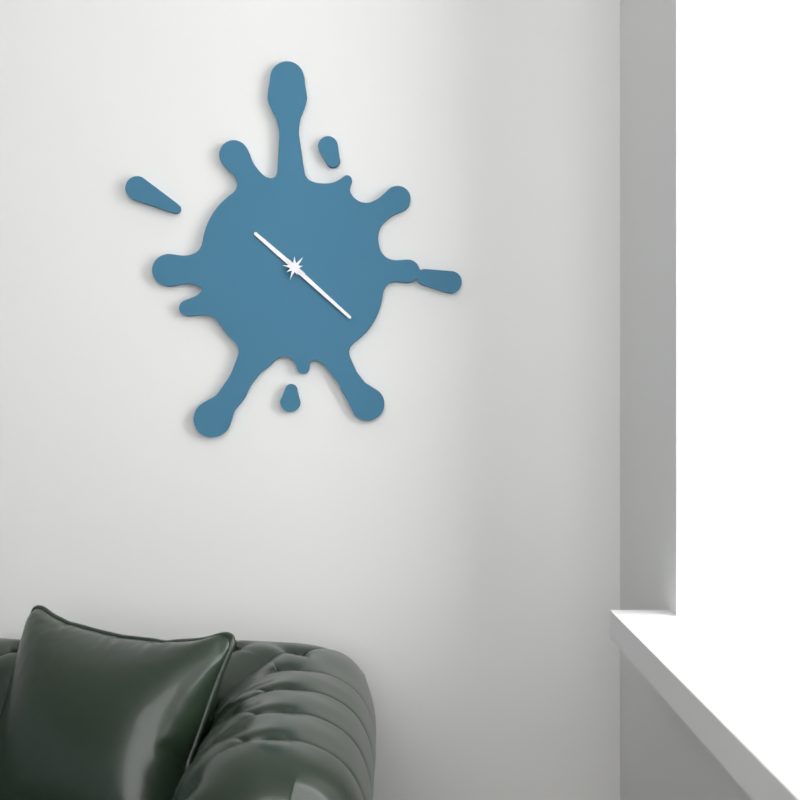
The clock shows h=10 m=22
